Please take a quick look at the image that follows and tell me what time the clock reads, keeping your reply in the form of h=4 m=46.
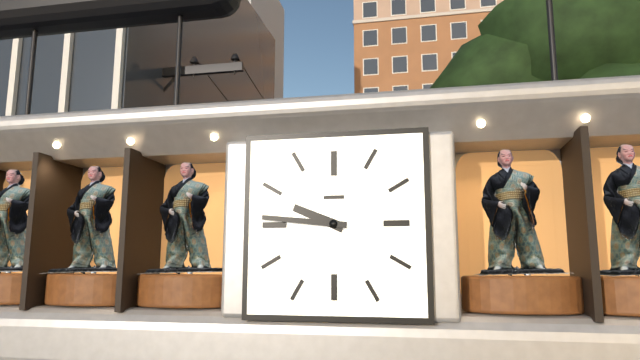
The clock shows h=9 m=46
